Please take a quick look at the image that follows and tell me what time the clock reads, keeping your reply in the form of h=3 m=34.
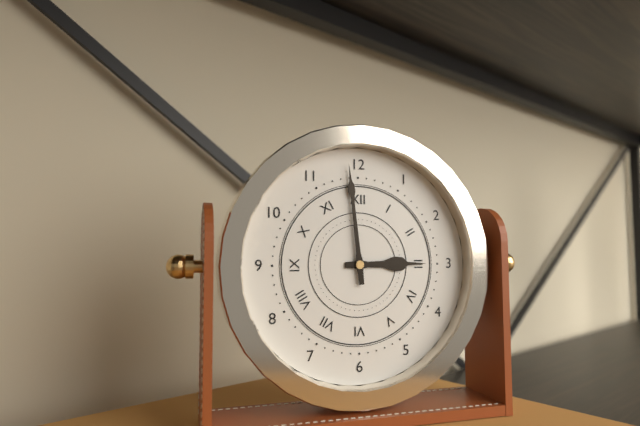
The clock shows h=2 m=59
